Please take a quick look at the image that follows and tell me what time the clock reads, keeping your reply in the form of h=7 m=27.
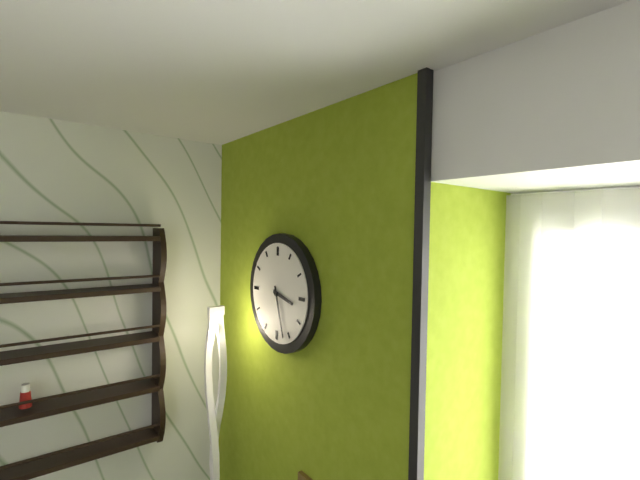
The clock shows h=3 m=27
